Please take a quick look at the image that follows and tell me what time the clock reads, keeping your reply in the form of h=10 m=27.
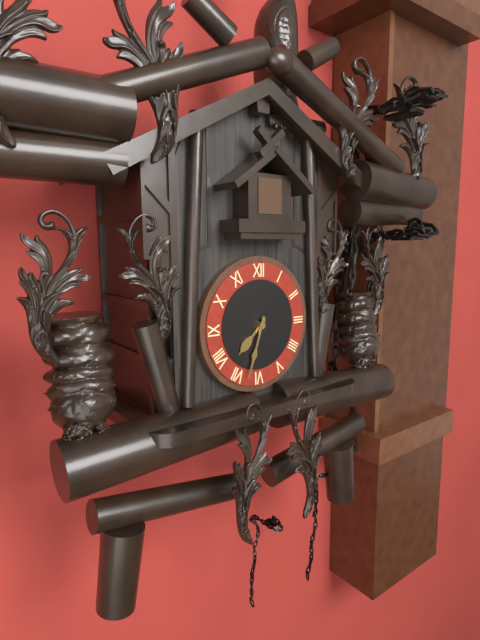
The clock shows h=7 m=33
